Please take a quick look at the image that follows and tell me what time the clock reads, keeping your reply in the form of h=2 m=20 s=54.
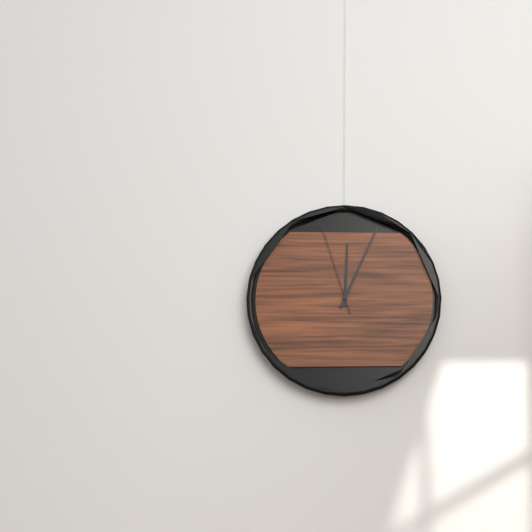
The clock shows h=12 m=4 s=57
